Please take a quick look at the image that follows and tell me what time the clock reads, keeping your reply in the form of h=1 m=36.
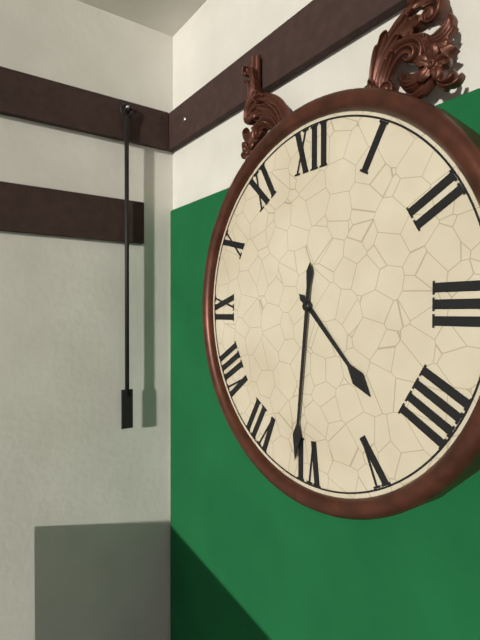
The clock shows h=4 m=31
